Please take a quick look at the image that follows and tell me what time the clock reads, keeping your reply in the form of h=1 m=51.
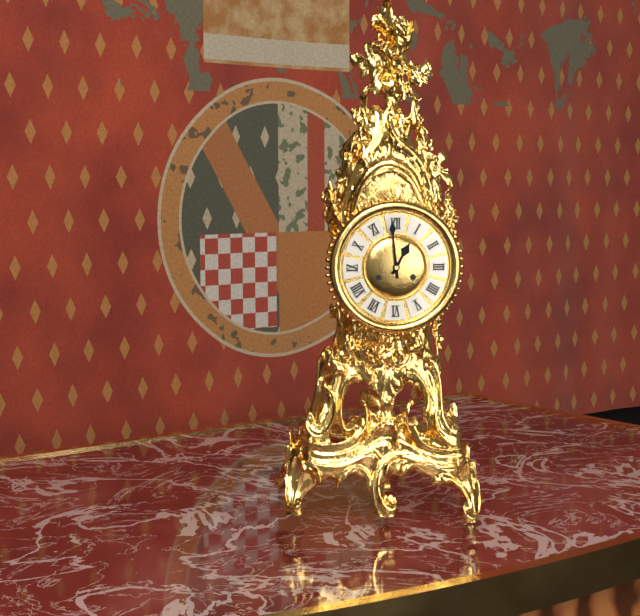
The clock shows h=12 m=59
